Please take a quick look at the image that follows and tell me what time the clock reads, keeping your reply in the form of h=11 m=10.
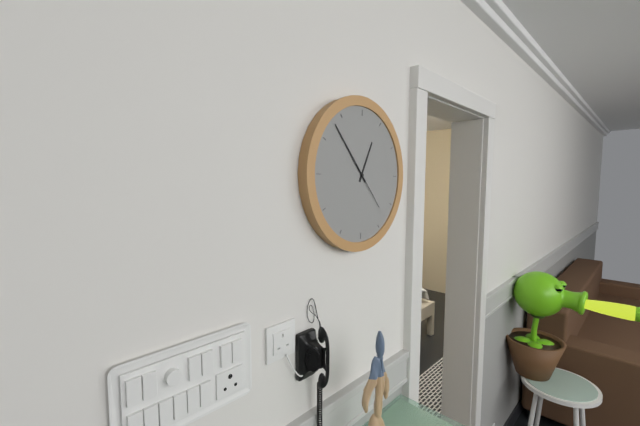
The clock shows h=12 m=53
